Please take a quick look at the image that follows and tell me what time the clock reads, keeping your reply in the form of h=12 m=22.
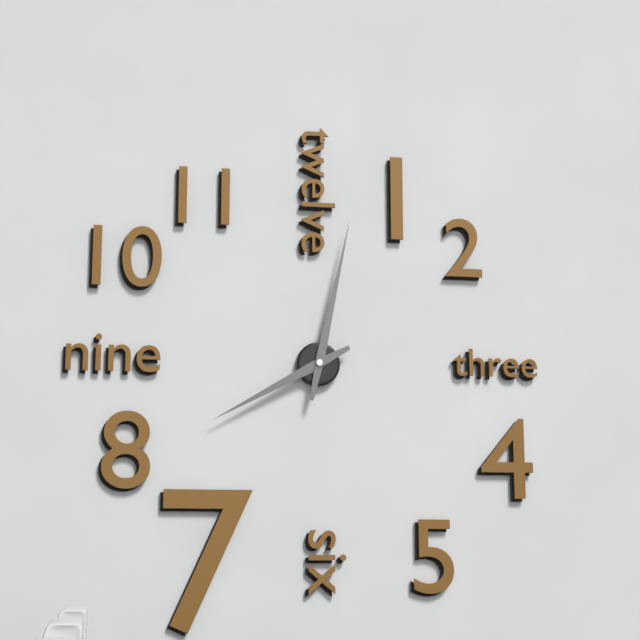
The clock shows h=8 m=2
